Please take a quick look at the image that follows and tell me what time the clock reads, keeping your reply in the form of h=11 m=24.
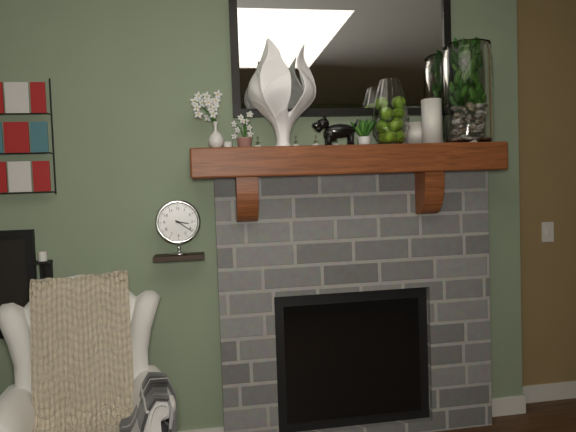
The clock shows h=3 m=21
